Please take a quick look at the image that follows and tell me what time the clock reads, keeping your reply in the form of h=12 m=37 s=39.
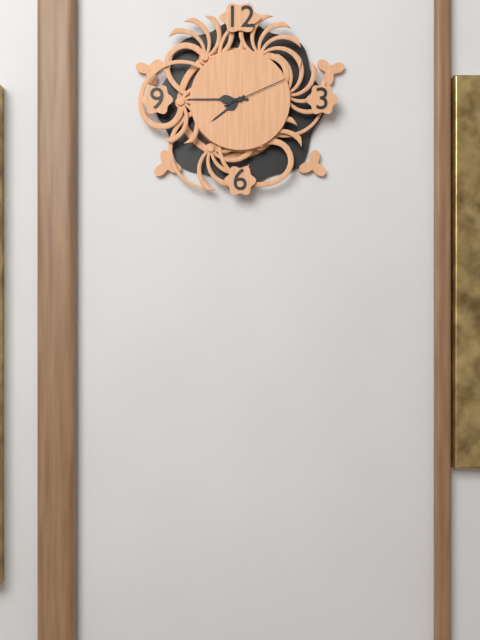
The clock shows h=7 m=45 s=11
